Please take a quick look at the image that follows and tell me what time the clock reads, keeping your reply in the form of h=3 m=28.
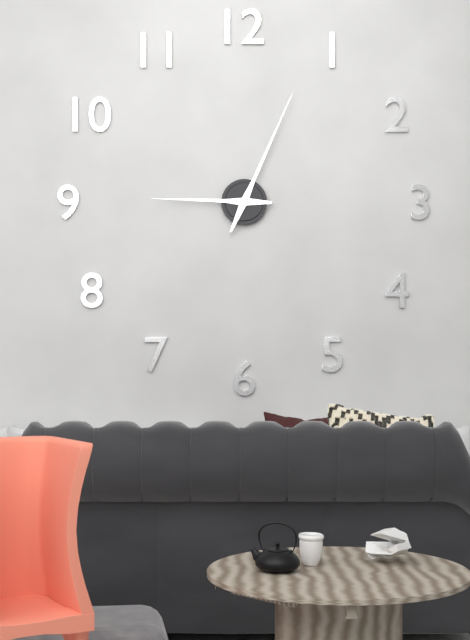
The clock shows h=9 m=4
